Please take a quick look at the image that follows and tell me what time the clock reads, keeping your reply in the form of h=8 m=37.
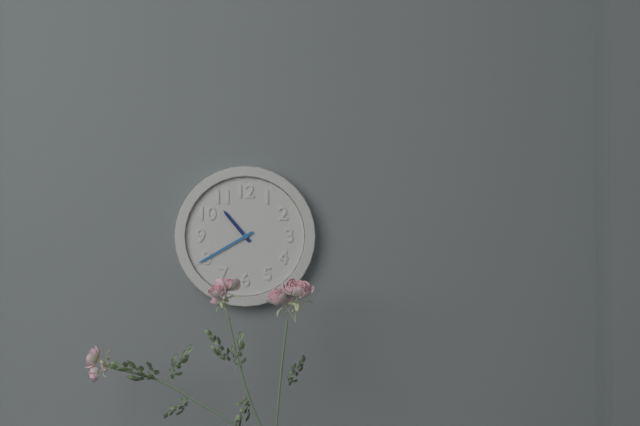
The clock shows h=10 m=40
